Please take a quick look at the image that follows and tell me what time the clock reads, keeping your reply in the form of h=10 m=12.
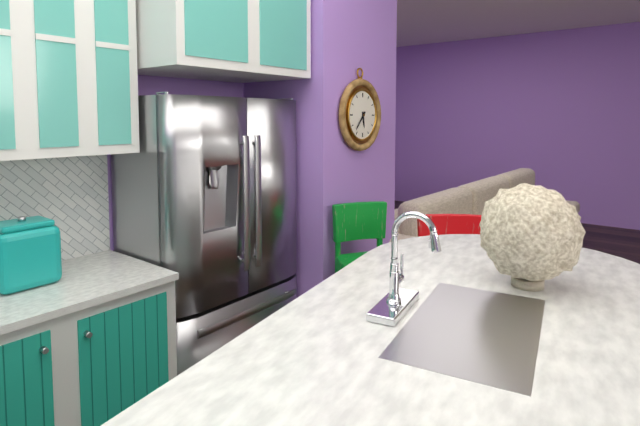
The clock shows h=5 m=37
